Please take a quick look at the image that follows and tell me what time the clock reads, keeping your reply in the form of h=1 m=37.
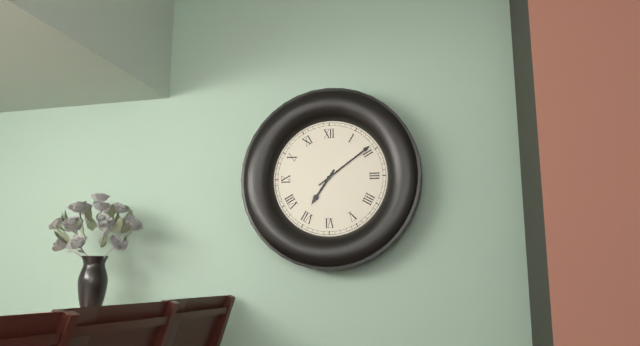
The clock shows h=7 m=9
